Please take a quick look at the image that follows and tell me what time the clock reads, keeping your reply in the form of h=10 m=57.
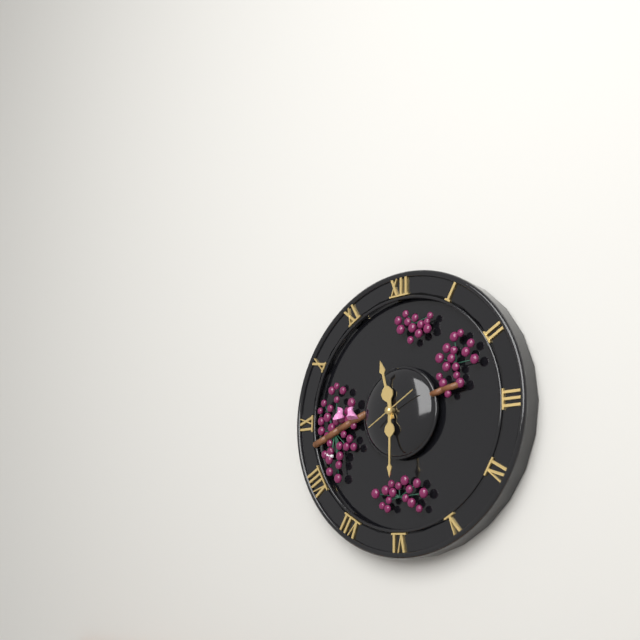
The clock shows h=11 m=30
